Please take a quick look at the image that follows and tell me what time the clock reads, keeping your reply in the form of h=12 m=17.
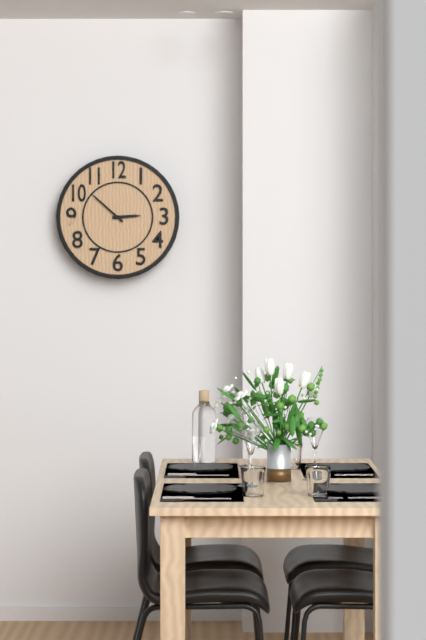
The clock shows h=2 m=52
